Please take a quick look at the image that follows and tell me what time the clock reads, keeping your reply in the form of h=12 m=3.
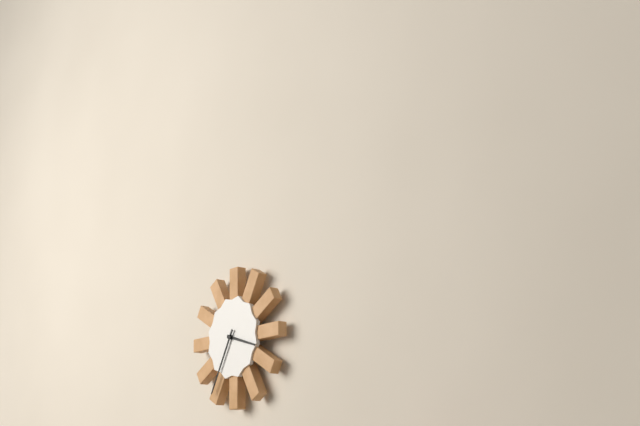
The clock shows h=3 m=35
